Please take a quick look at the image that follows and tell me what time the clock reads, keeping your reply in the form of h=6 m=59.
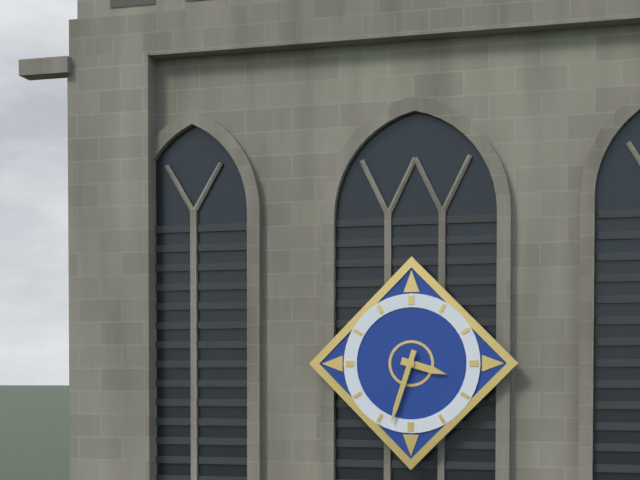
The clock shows h=3 m=33
